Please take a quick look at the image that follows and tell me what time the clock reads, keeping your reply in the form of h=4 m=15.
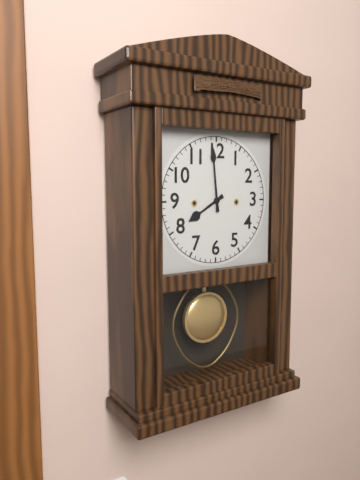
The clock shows h=7 m=59
